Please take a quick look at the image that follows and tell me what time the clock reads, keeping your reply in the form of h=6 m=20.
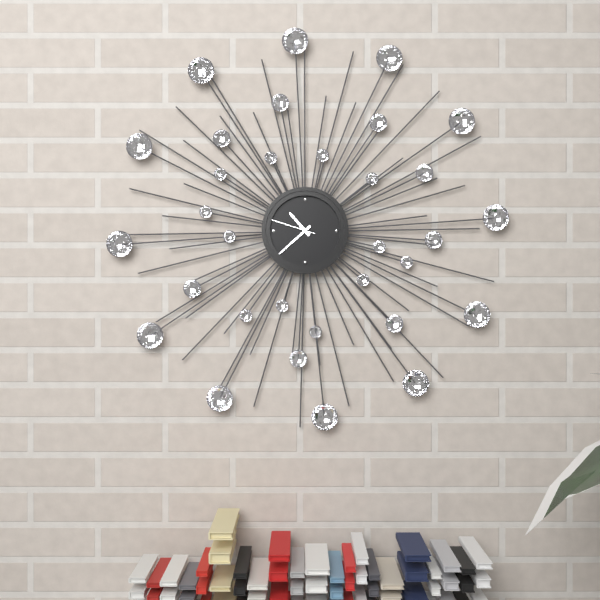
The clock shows h=10 m=38
